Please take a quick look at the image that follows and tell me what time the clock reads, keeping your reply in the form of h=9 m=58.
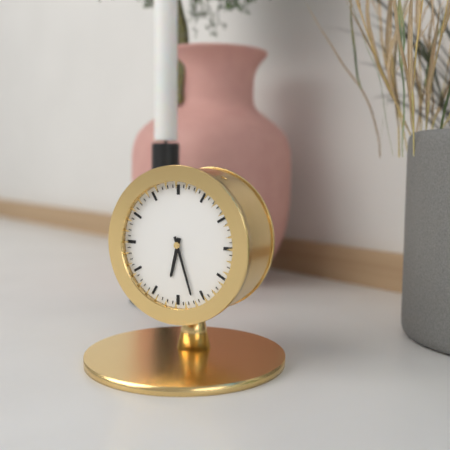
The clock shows h=6 m=27
